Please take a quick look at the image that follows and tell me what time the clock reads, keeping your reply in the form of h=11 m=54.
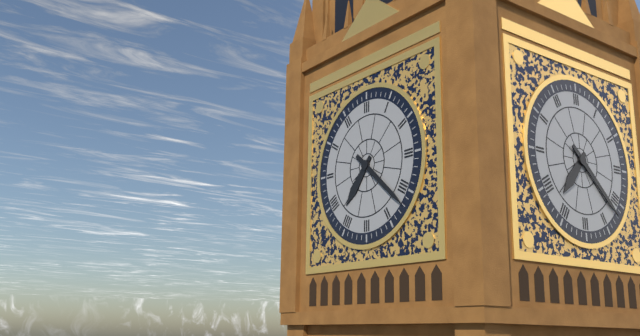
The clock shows h=7 m=22
